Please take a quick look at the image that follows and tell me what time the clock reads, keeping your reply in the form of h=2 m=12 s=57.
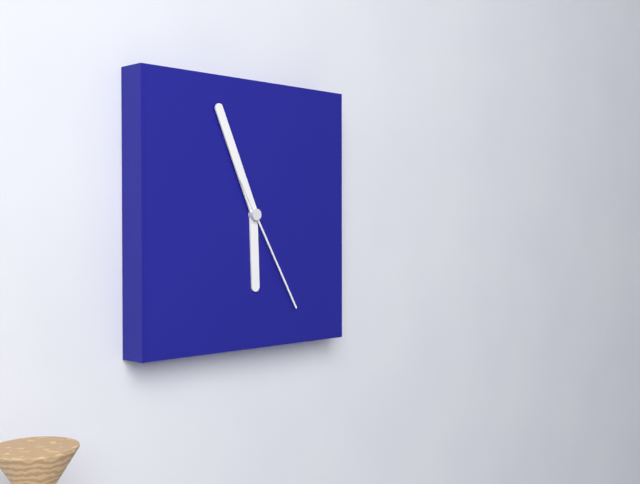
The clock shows h=5 m=56 s=25
